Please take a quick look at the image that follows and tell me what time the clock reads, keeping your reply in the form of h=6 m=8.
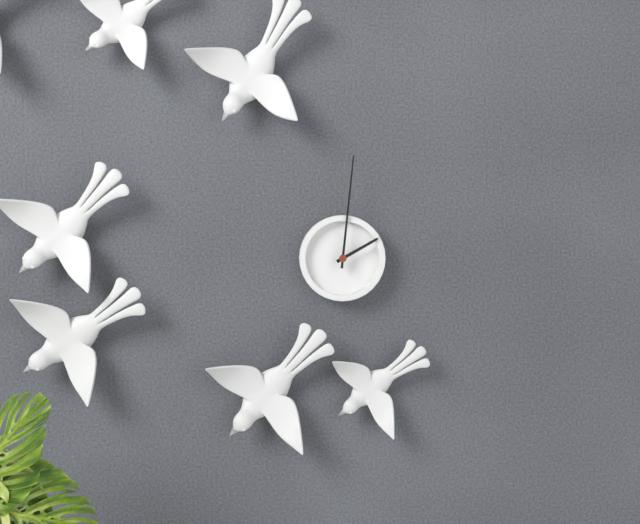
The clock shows h=2 m=1
